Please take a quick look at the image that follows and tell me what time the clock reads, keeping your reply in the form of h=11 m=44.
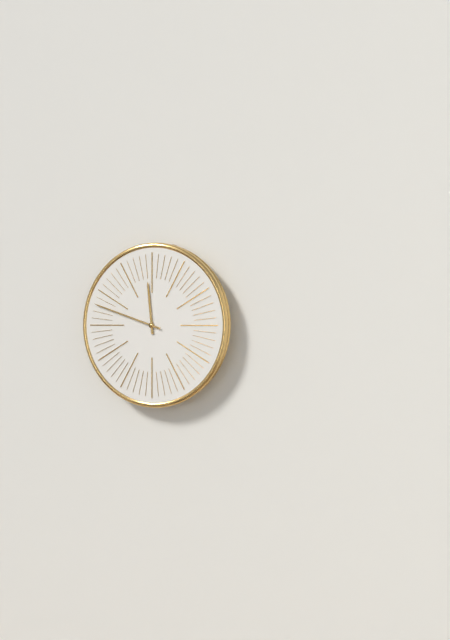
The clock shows h=11 m=48
